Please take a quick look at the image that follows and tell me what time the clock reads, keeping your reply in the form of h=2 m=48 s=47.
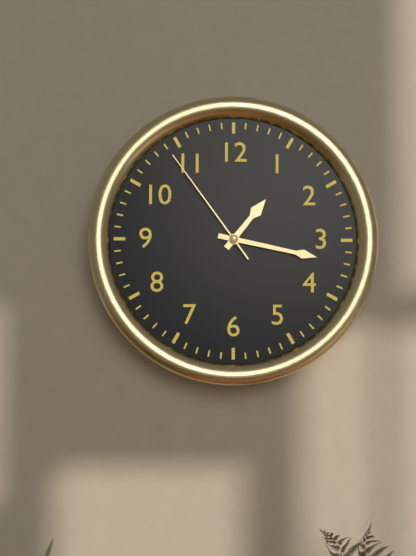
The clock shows h=1 m=17 s=54
